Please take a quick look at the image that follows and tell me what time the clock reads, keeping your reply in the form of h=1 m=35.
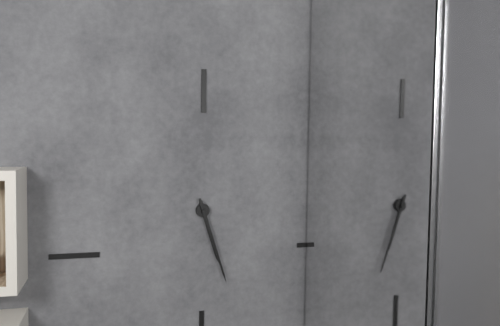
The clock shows h=5 m=27
